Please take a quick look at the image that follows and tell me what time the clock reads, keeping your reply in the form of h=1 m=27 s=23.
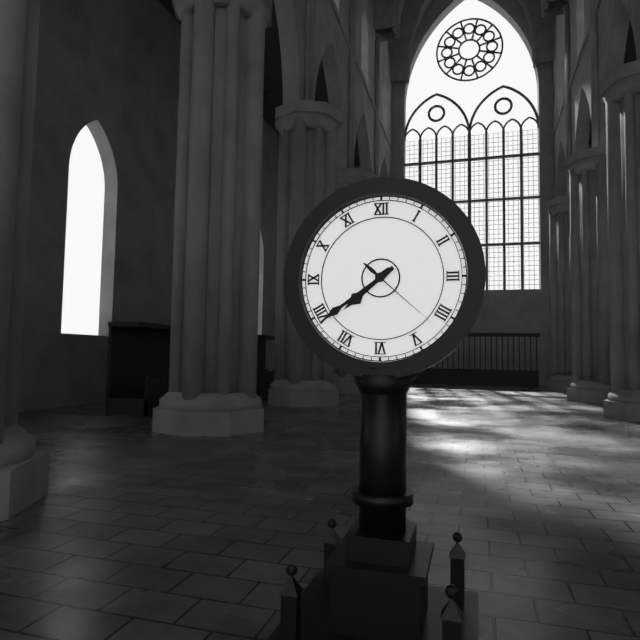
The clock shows h=7 m=39 s=22
